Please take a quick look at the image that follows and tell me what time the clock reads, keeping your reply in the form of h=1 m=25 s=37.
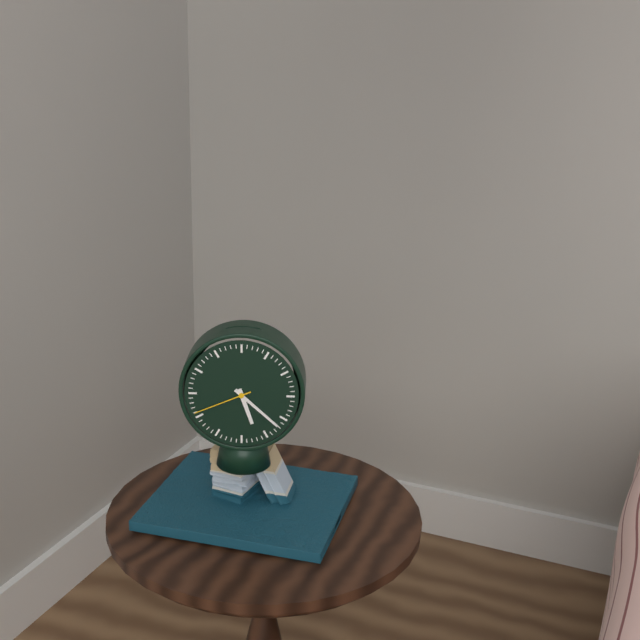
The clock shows h=5 m=22 s=41
